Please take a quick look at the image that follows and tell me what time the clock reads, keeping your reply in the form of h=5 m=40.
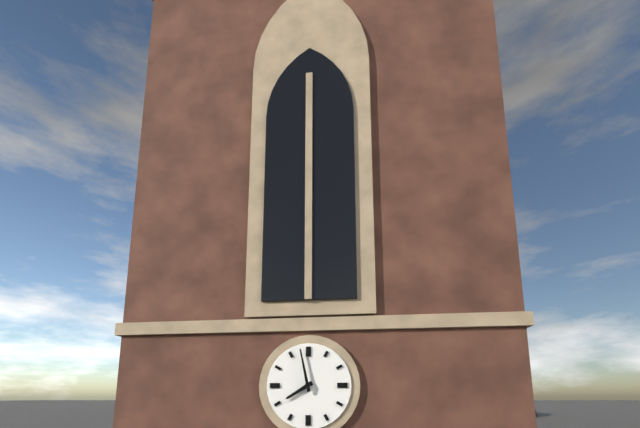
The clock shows h=7 m=58
